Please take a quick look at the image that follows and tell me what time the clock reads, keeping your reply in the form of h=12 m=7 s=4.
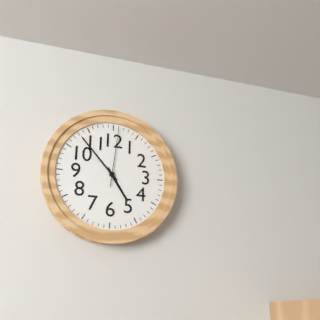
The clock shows h=4 m=53 s=1
